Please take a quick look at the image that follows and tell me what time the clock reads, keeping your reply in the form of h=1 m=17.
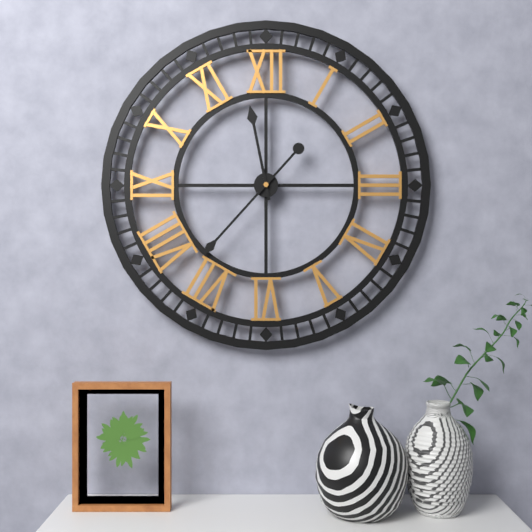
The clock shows h=11 m=37
